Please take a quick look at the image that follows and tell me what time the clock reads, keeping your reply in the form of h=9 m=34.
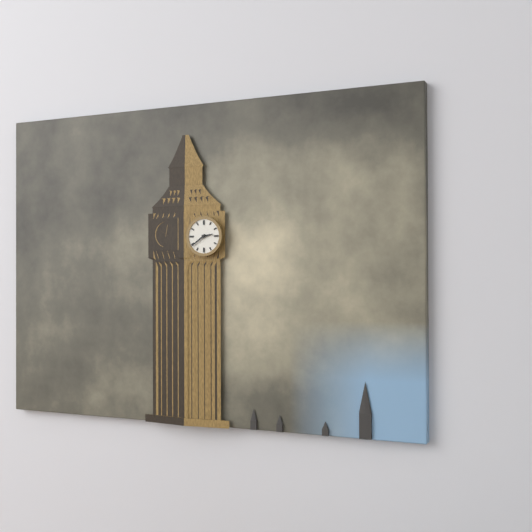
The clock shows h=2 m=39
